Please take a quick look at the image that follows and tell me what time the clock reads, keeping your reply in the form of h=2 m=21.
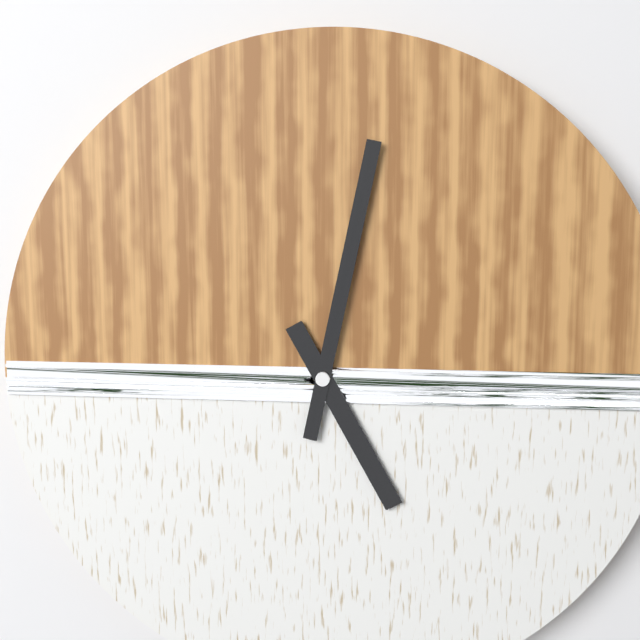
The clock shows h=5 m=2
